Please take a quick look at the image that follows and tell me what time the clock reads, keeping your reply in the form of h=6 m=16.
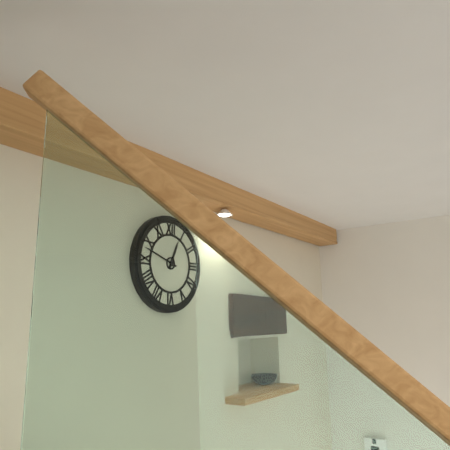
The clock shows h=12 m=48
